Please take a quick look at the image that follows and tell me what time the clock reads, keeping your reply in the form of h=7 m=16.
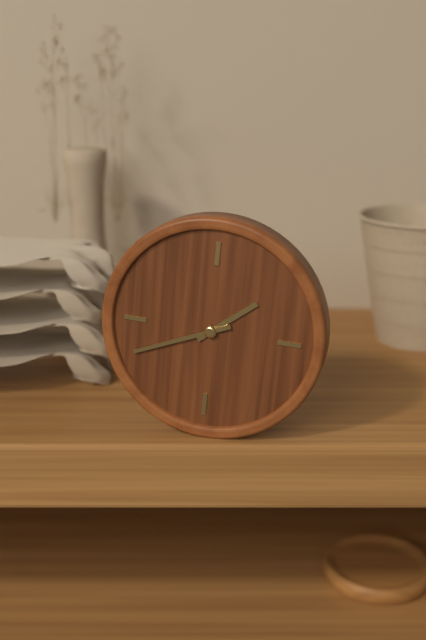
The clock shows h=1 m=41
